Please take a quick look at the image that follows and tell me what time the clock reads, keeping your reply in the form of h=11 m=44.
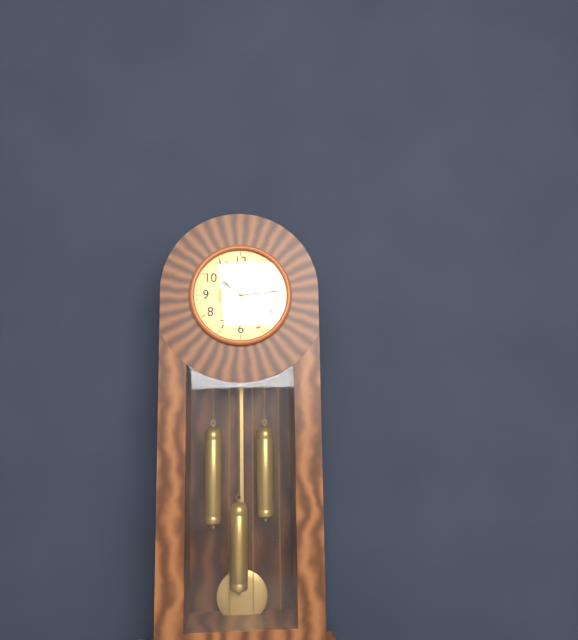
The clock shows h=10 m=14
